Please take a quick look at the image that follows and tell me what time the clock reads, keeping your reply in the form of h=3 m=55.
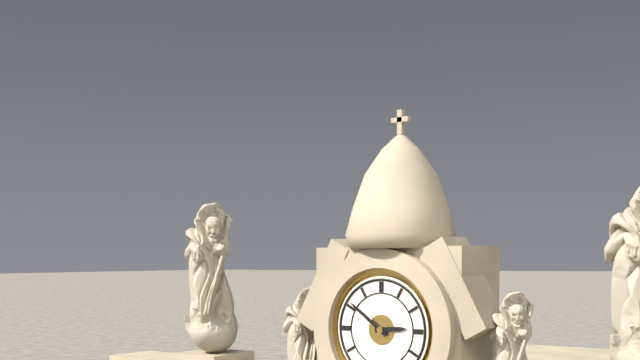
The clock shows h=2 m=51
